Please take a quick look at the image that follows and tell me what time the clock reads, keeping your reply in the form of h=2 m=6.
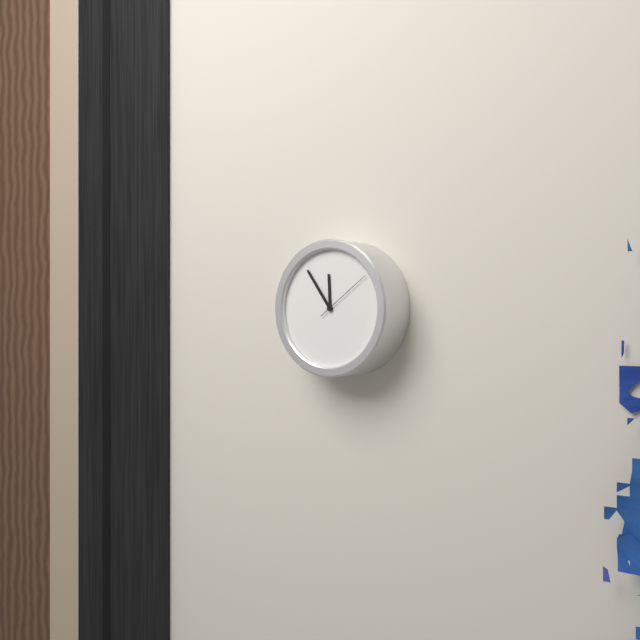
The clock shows h=11 m=54
